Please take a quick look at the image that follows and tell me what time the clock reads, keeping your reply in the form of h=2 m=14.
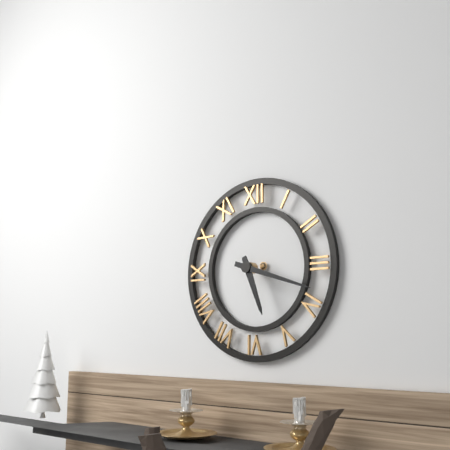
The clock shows h=5 m=18
